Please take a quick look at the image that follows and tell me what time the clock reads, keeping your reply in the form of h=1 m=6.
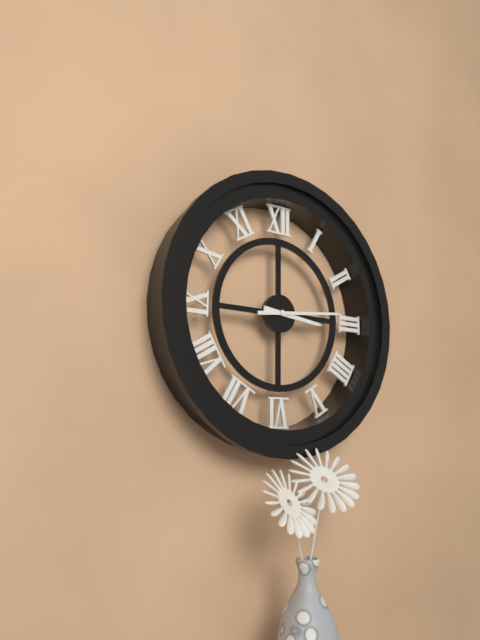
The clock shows h=3 m=14
